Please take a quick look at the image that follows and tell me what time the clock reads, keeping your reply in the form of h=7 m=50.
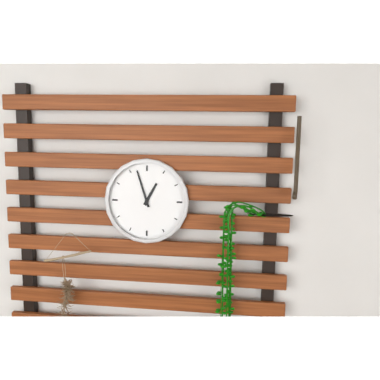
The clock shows h=12 m=57
